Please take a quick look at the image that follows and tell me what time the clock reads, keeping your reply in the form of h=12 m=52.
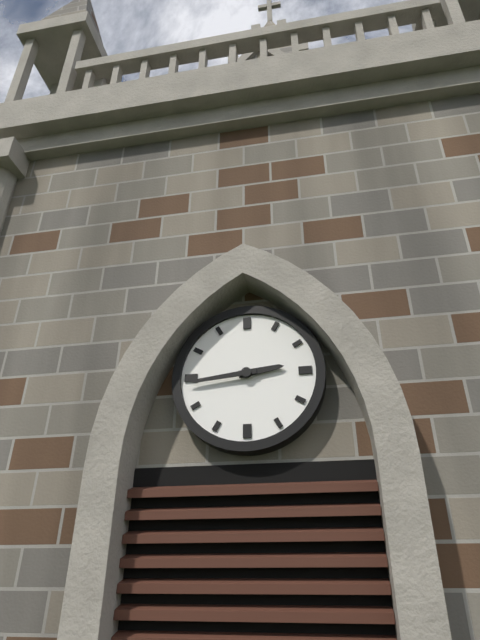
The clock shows h=2 m=44
